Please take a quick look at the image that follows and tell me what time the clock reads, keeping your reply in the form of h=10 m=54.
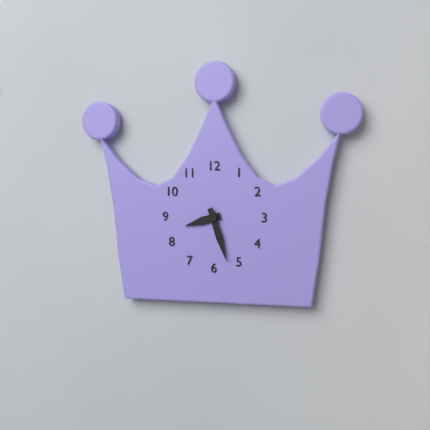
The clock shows h=8 m=27
